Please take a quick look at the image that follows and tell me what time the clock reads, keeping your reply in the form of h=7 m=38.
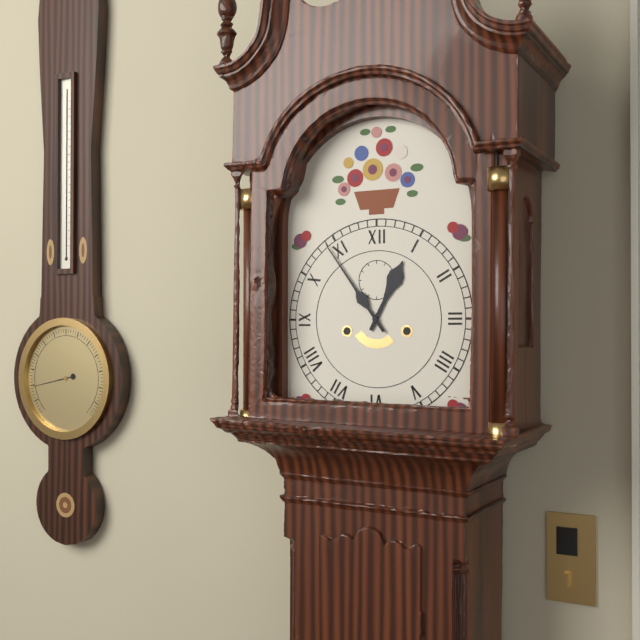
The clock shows h=12 m=54
